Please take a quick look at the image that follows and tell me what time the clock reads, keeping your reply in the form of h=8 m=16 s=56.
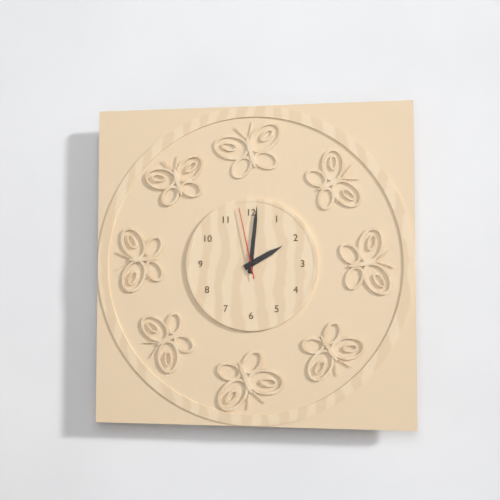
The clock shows h=2 m=1 s=58
